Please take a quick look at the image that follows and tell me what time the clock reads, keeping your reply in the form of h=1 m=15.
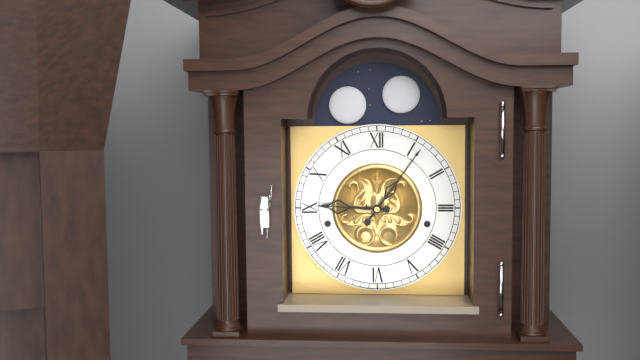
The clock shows h=9 m=6
